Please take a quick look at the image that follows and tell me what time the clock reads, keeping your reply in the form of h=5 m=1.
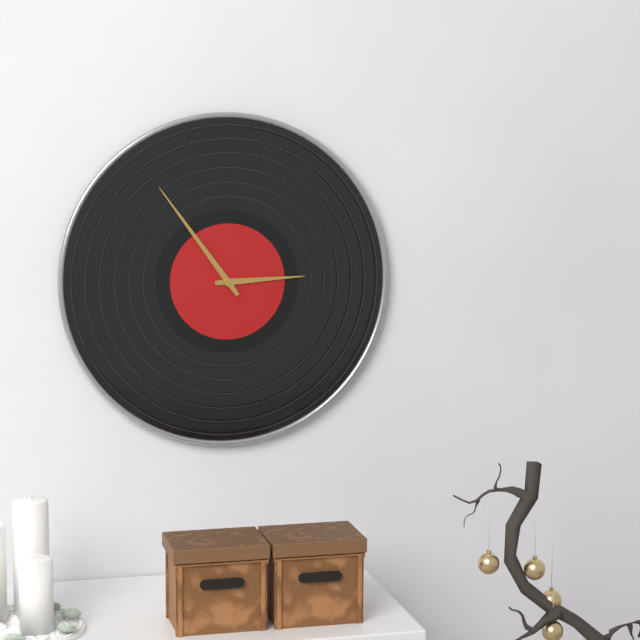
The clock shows h=2 m=54
